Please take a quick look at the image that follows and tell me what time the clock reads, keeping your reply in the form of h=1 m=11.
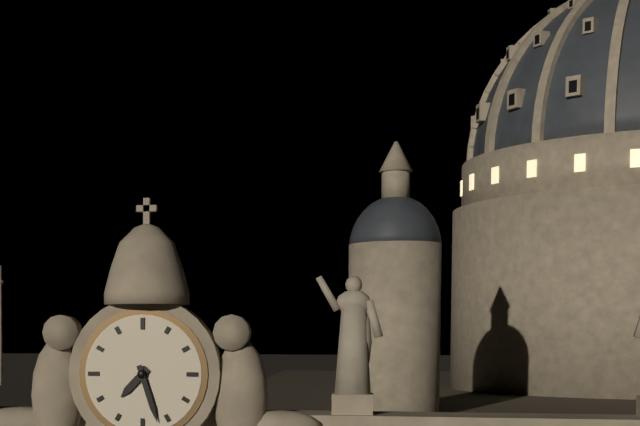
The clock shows h=7 m=27
